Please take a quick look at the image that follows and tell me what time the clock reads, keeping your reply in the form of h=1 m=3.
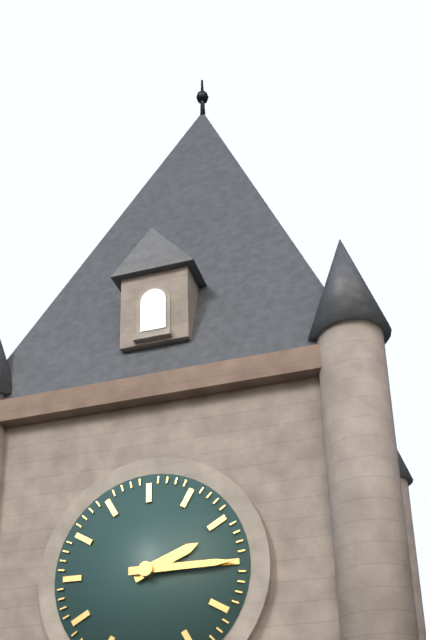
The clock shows h=2 m=15
